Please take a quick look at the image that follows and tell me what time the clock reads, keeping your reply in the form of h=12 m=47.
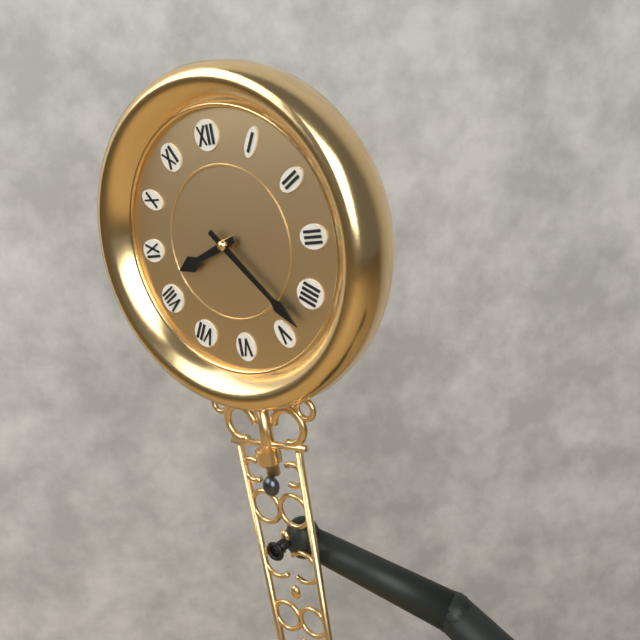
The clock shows h=8 m=23
